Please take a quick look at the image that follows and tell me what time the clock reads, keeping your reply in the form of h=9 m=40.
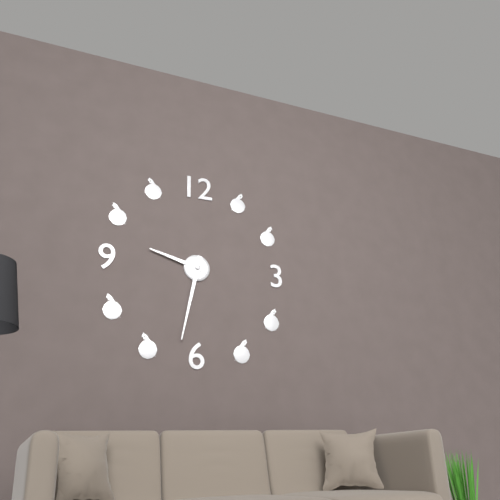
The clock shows h=9 m=32
